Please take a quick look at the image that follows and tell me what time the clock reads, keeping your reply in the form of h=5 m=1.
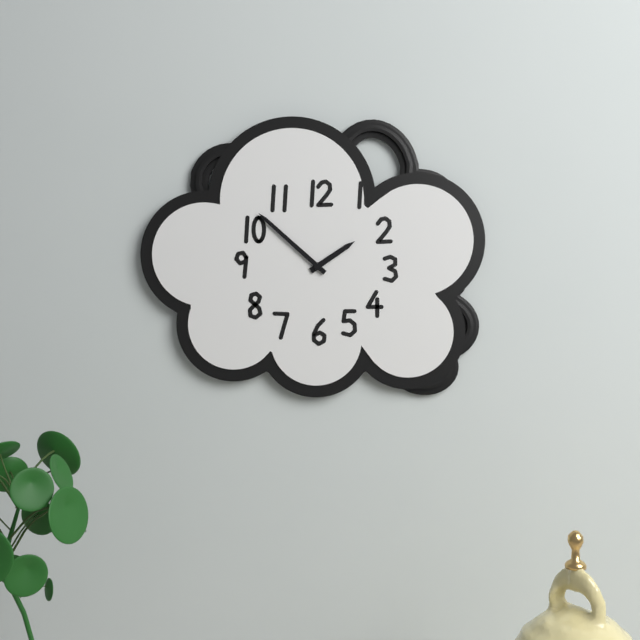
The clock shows h=1 m=52
